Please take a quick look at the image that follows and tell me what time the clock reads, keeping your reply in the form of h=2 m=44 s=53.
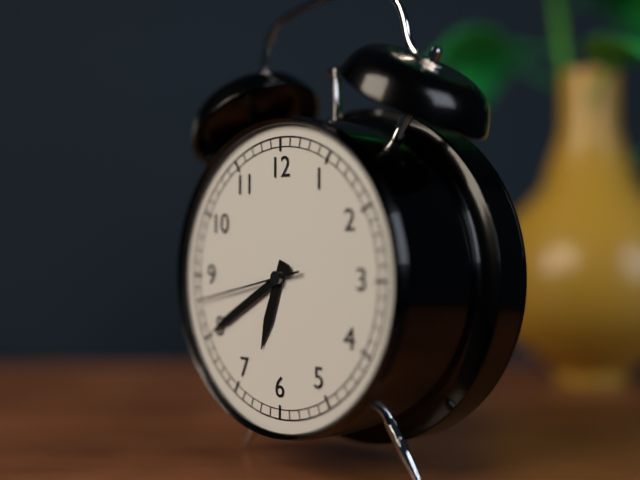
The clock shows h=6 m=40 s=43
